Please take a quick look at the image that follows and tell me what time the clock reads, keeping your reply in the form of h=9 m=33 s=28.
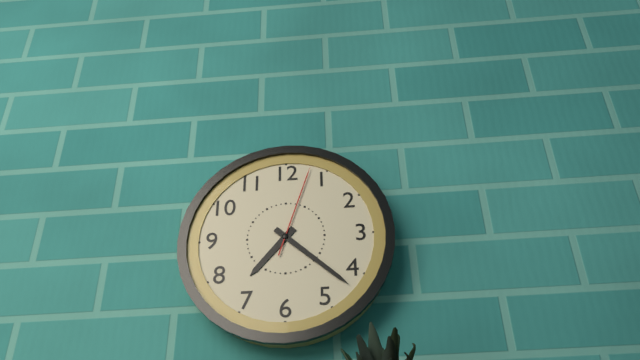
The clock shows h=7 m=22 s=3
